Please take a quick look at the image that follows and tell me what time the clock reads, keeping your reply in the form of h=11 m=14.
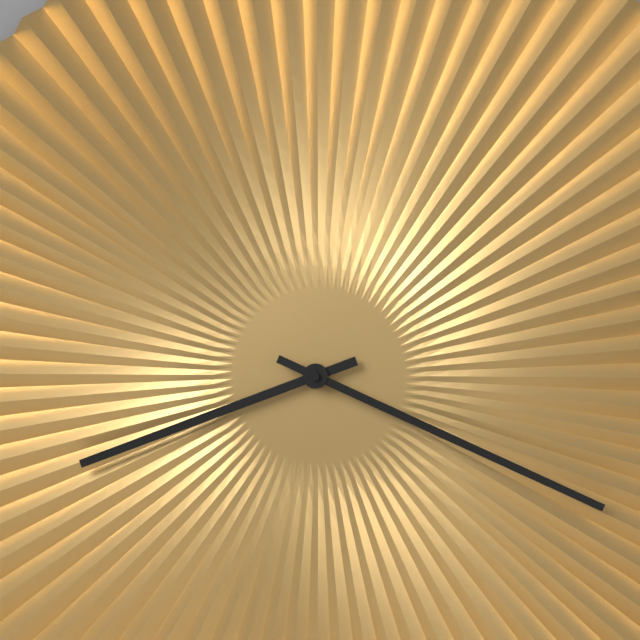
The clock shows h=8 m=19
